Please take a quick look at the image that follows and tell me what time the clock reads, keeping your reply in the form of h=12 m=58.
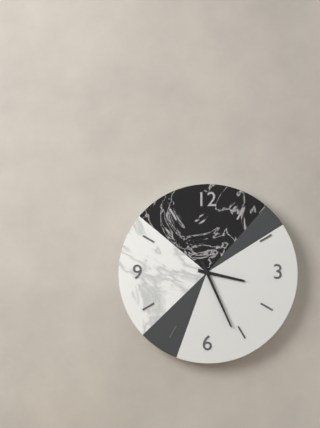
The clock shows h=3 m=26
